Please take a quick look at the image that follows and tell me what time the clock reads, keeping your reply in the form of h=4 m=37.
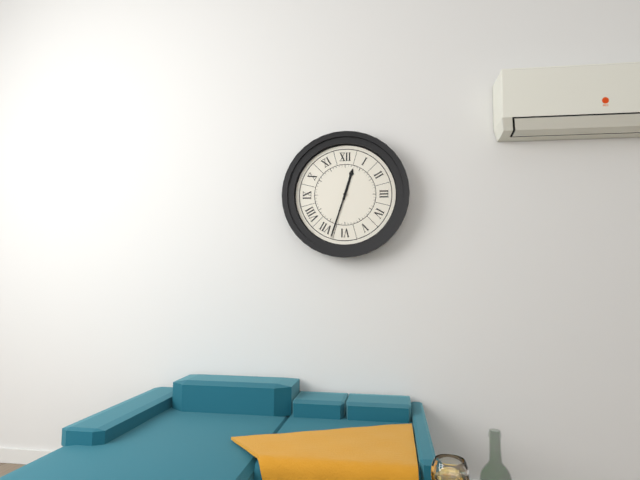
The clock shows h=12 m=33
